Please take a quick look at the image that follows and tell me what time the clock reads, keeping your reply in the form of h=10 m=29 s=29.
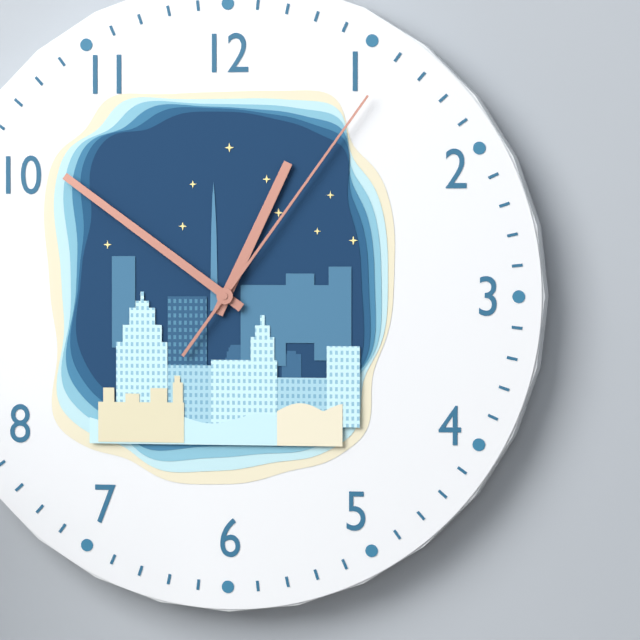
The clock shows h=12 m=51 s=6
